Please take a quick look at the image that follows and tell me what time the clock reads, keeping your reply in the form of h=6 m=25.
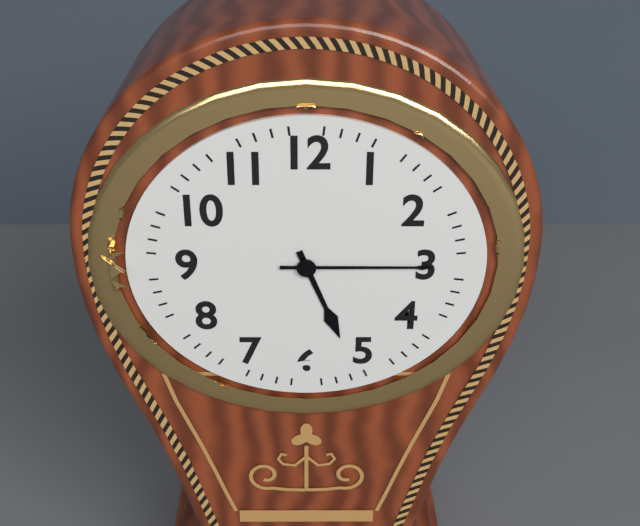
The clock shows h=5 m=15
